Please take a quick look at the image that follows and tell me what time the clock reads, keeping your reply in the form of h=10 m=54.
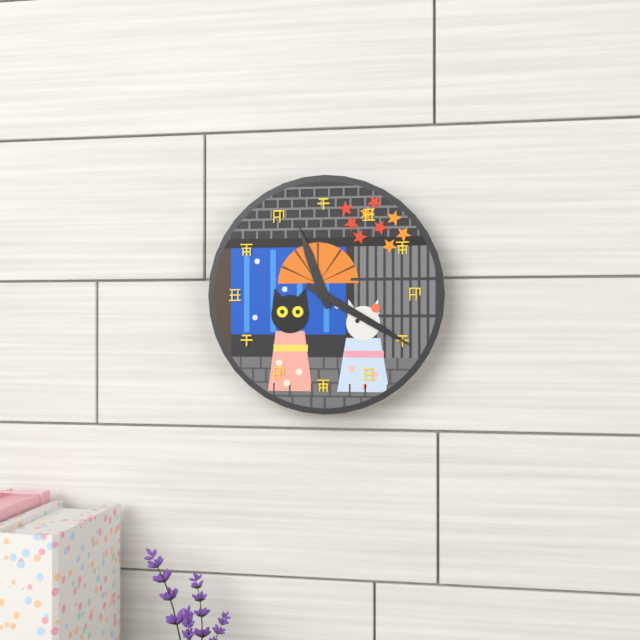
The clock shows h=11 m=20
